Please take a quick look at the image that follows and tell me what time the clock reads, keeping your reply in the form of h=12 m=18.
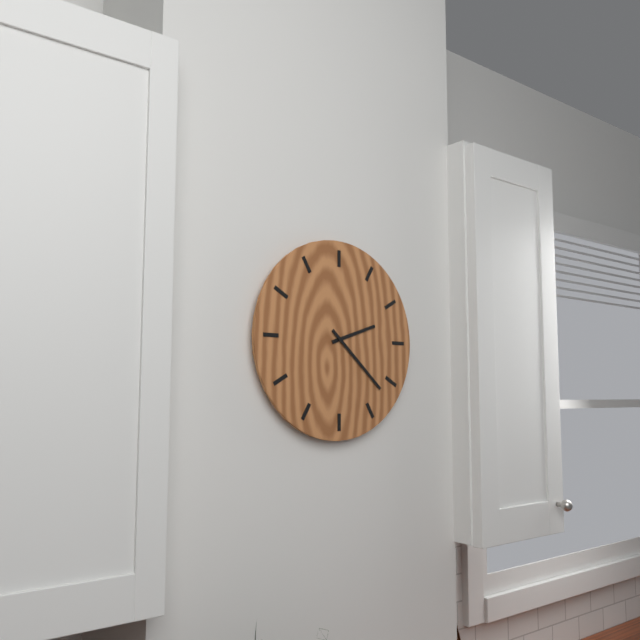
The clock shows h=2 m=22
